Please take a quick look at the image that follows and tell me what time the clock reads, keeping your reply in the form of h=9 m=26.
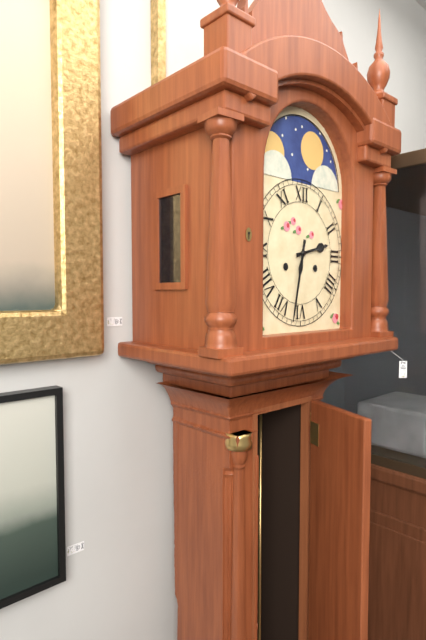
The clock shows h=2 m=32
